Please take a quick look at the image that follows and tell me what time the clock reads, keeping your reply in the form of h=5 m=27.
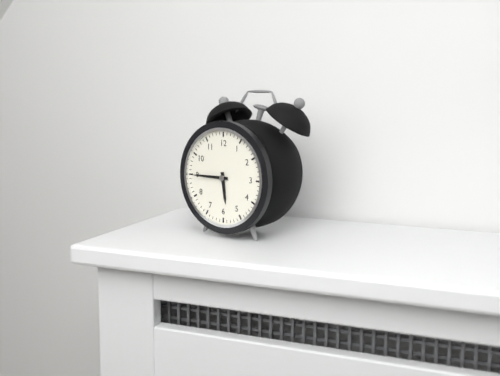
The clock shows h=5 m=45
